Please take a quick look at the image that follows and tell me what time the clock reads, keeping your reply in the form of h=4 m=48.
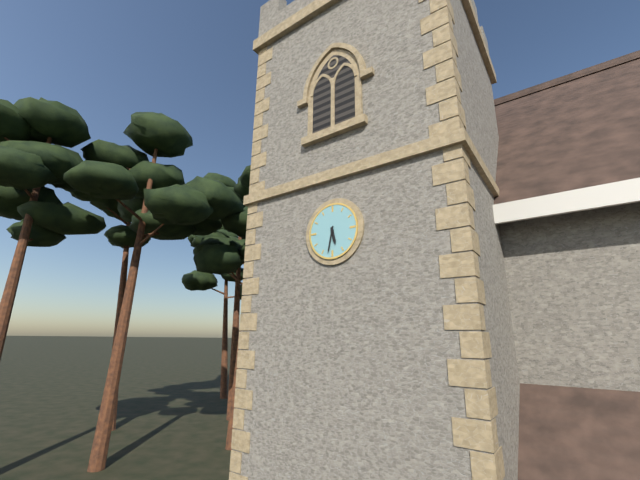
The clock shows h=5 m=32
